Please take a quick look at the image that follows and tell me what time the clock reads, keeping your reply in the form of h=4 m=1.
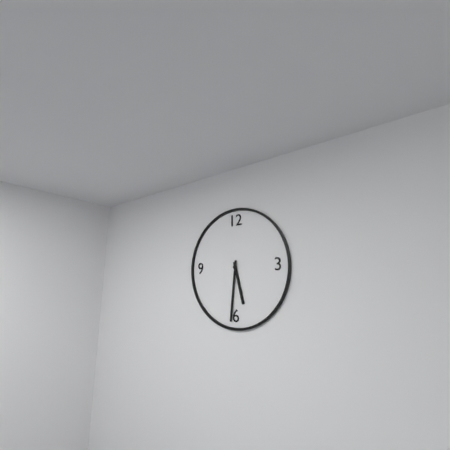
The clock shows h=5 m=31
